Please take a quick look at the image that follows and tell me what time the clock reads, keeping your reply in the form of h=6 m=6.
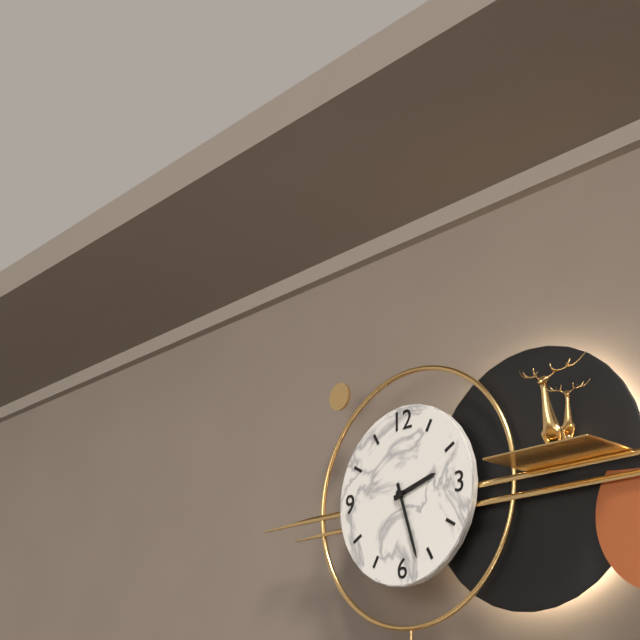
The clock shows h=2 m=27
